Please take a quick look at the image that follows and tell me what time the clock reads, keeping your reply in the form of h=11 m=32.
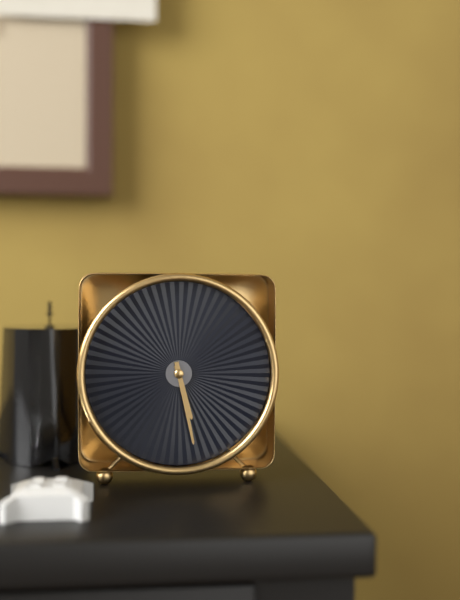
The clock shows h=5 m=28
